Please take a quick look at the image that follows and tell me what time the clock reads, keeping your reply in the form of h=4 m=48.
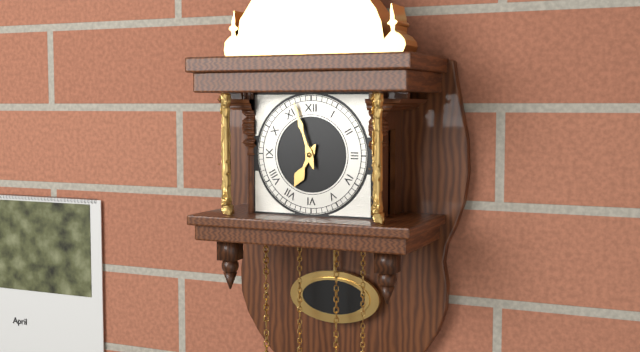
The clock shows h=6 m=57
